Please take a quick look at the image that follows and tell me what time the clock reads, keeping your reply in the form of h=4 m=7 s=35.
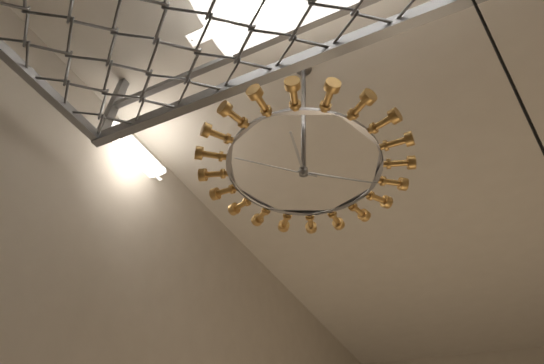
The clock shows h=12 m=21 s=52
